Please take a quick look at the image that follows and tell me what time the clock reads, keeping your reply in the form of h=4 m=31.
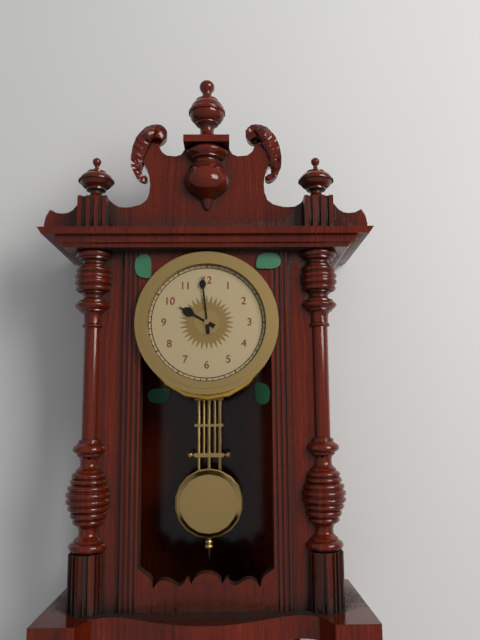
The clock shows h=9 m=59
